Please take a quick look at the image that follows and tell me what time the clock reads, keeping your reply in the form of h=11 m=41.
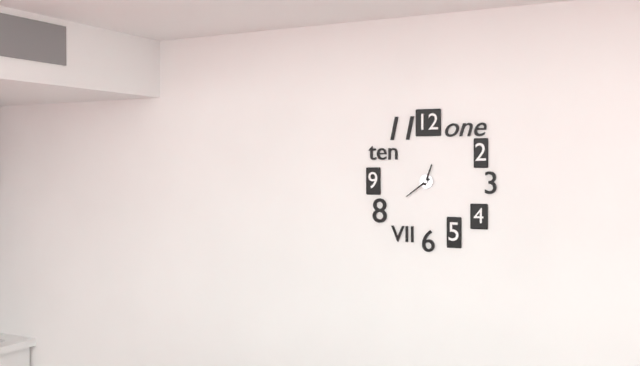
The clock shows h=12 m=39
